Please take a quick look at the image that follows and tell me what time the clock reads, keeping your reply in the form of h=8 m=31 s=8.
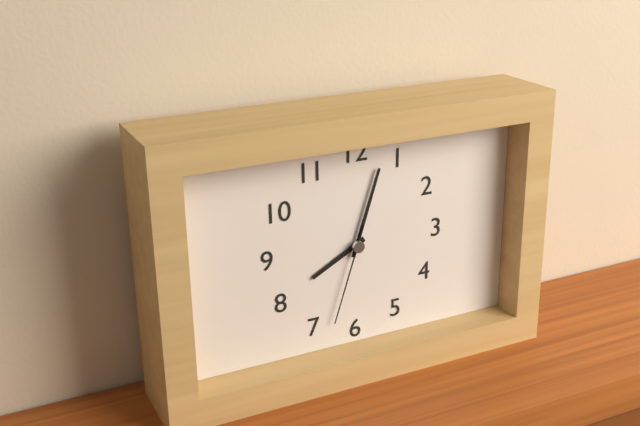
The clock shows h=8 m=3 s=33
